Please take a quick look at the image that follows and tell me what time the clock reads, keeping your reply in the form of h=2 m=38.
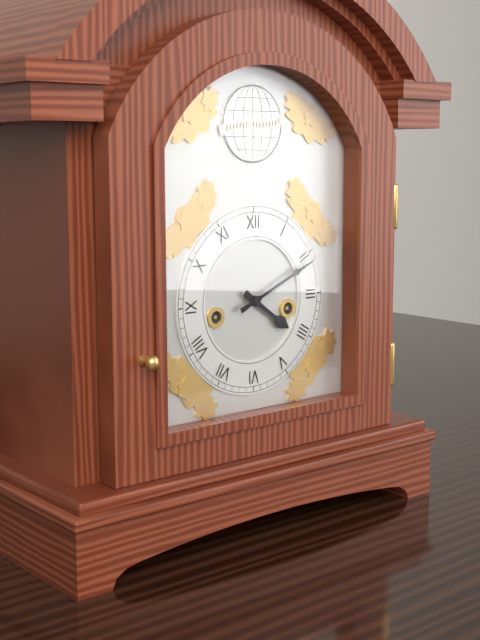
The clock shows h=4 m=11
